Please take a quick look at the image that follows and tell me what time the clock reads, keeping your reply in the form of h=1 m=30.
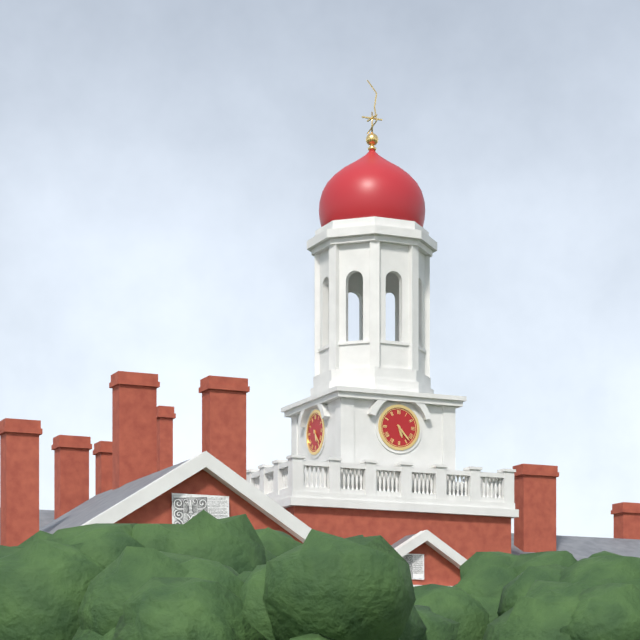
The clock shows h=5 m=23
